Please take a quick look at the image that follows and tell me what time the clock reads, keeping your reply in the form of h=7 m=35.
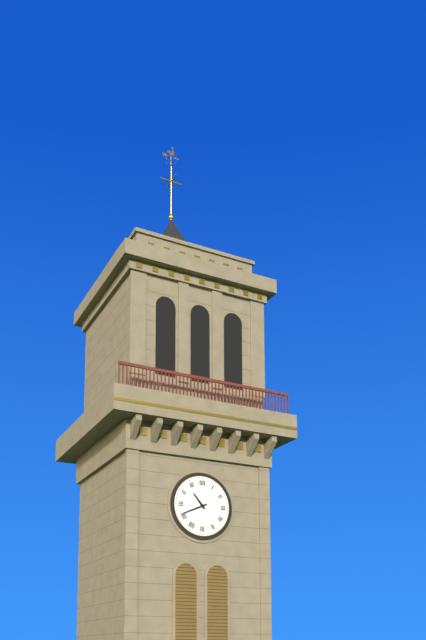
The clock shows h=10 m=41
